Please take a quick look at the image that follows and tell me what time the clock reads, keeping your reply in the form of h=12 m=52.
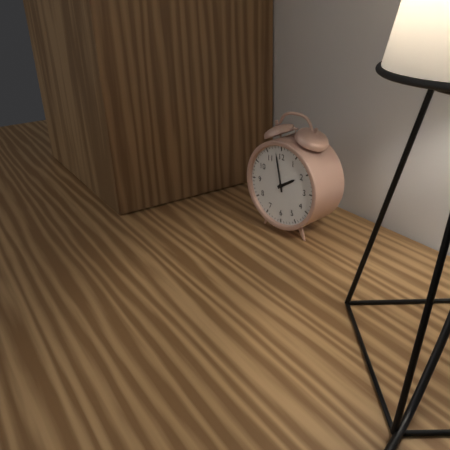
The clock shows h=1 m=58
